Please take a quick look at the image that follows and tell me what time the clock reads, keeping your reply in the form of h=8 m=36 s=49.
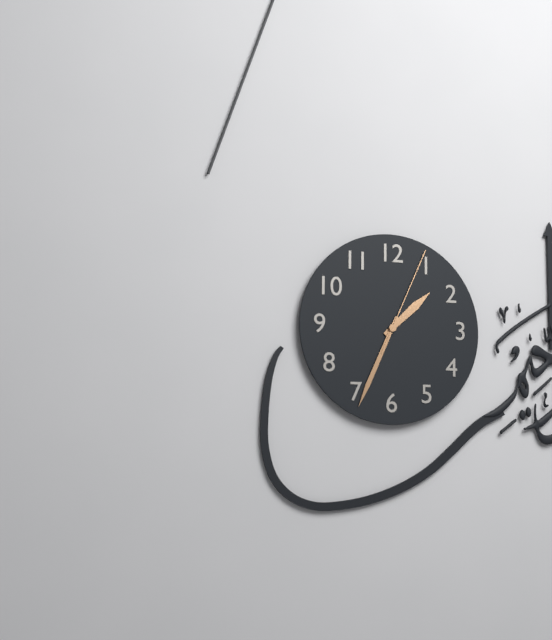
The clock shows h=1 m=34 s=4
